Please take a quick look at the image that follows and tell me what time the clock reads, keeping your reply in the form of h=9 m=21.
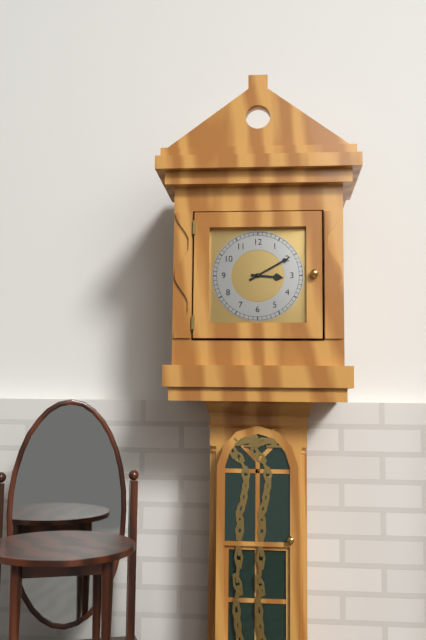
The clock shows h=3 m=10
